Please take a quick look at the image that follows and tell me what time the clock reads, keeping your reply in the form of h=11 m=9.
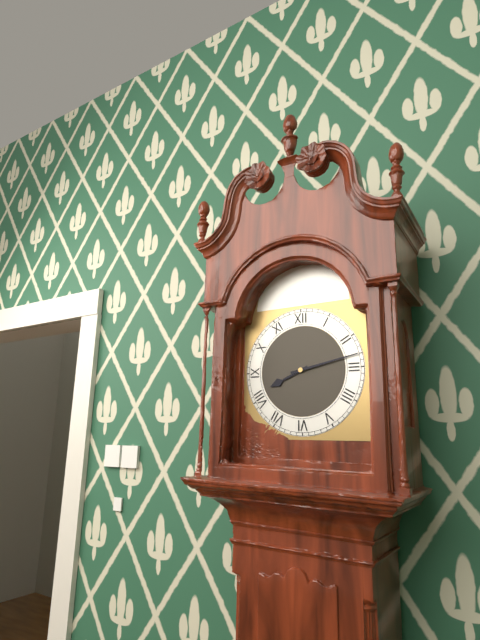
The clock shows h=8 m=13
